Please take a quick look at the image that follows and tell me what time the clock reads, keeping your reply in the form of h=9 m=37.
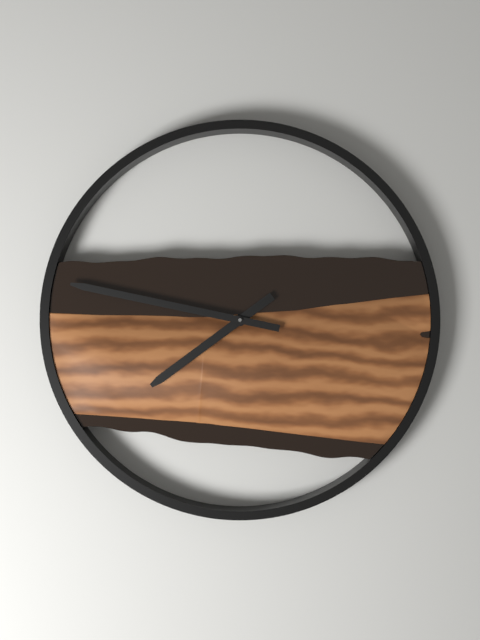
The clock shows h=7 m=47
